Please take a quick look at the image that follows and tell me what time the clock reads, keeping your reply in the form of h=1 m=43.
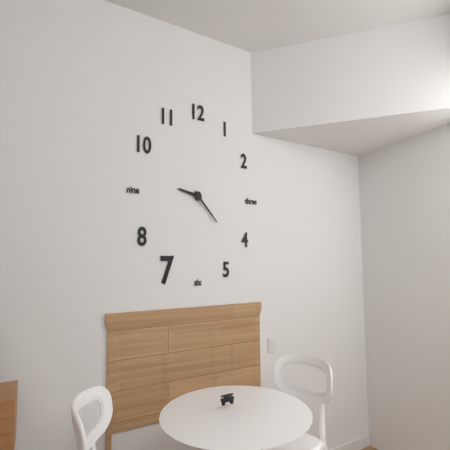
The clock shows h=9 m=22
